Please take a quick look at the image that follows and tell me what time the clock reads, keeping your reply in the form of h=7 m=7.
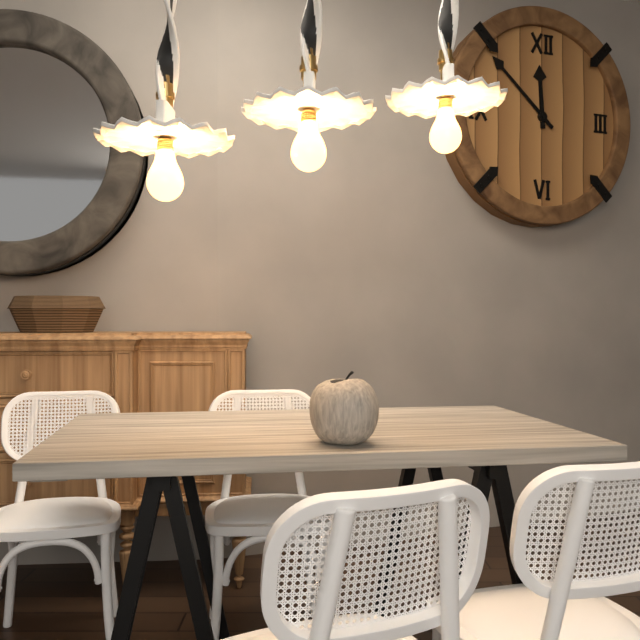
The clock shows h=11 m=52
